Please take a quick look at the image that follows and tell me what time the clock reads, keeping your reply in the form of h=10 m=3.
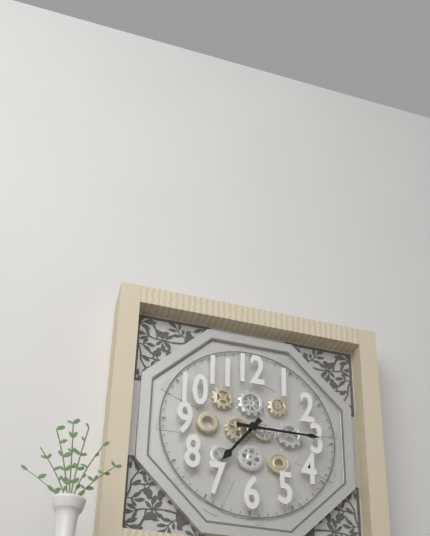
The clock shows h=7 m=15
